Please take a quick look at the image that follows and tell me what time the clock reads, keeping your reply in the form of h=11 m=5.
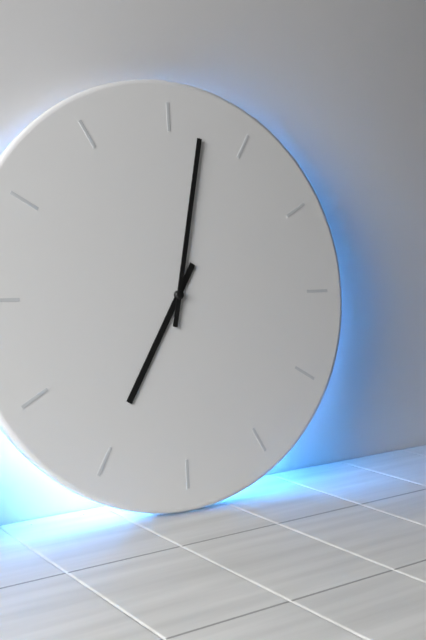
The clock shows h=7 m=2
